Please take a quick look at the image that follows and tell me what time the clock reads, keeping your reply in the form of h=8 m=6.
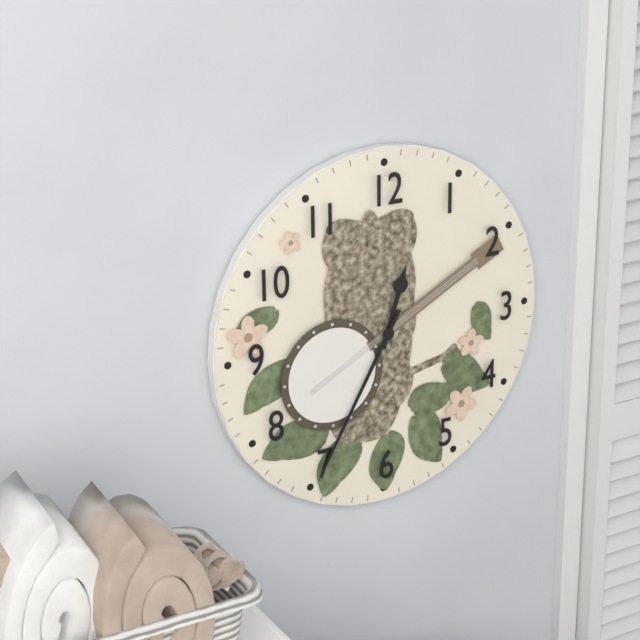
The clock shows h=12 m=35
